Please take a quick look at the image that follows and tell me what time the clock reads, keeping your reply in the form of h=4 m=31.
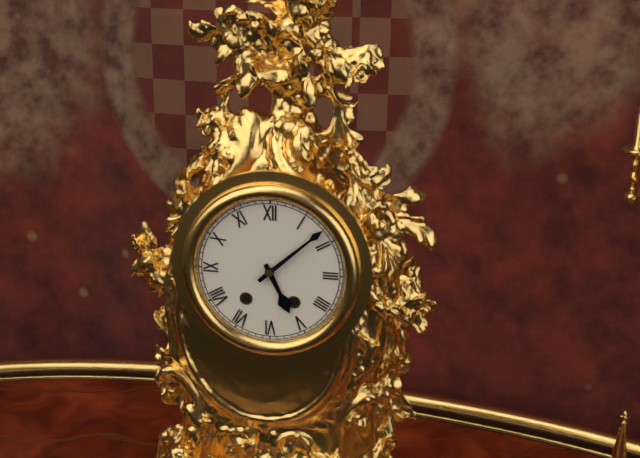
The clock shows h=5 m=8
